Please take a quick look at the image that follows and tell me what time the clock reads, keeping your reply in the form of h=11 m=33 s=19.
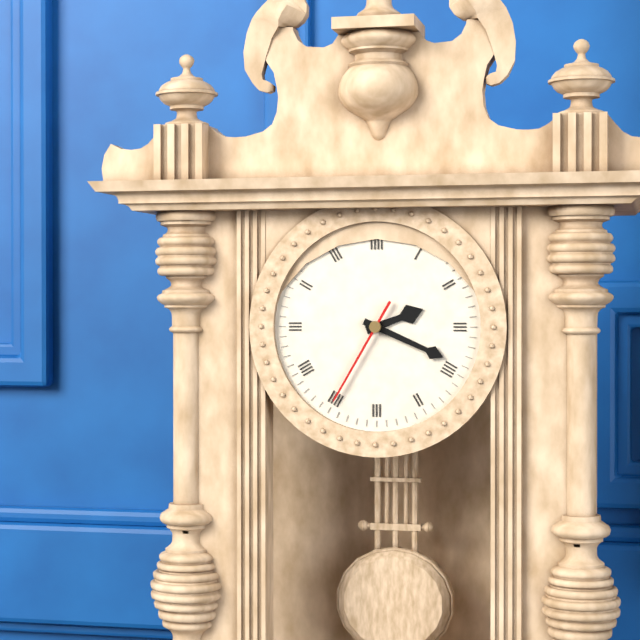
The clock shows h=2 m=19 s=35
